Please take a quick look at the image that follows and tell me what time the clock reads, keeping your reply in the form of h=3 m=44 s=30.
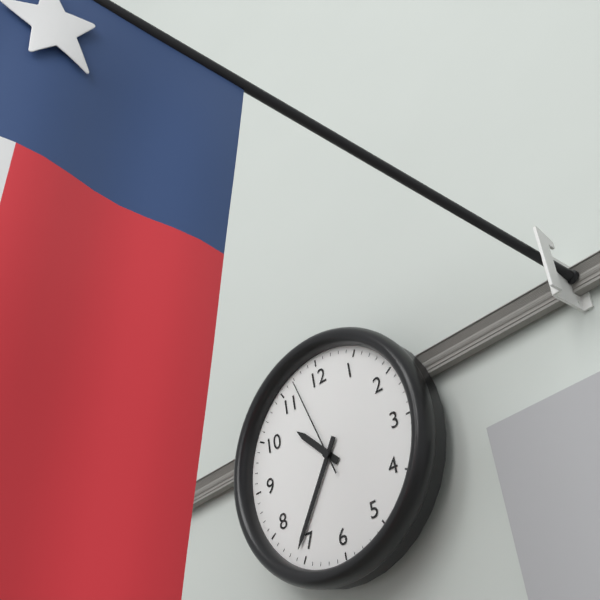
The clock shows h=10 m=36 s=57
